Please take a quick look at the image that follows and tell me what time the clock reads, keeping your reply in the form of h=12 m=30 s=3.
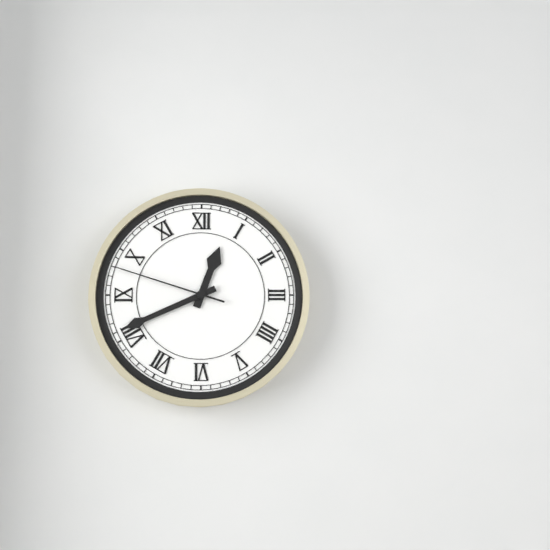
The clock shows h=12 m=41 s=48
